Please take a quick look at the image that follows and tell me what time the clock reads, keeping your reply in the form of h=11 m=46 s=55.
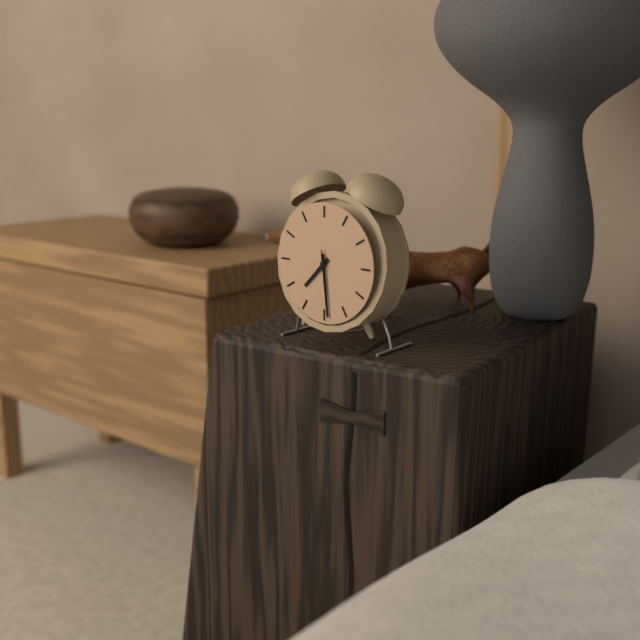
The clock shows h=7 m=29 s=29
